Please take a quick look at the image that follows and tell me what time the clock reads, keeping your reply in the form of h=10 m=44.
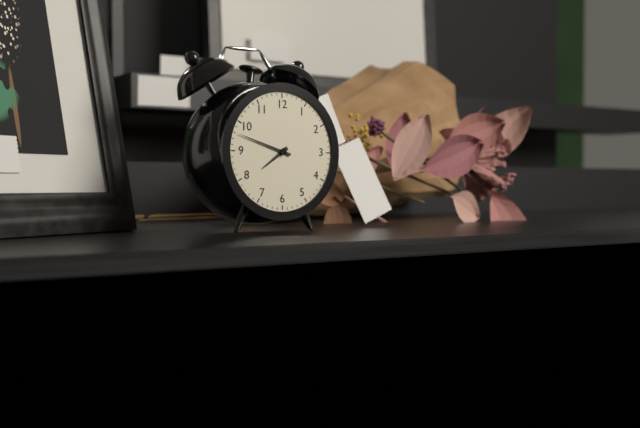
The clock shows h=7 m=48
